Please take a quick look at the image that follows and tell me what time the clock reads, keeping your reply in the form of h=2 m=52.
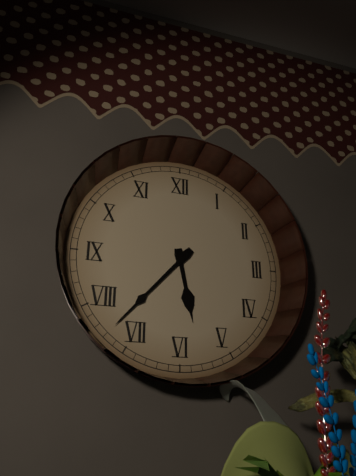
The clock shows h=5 m=37
